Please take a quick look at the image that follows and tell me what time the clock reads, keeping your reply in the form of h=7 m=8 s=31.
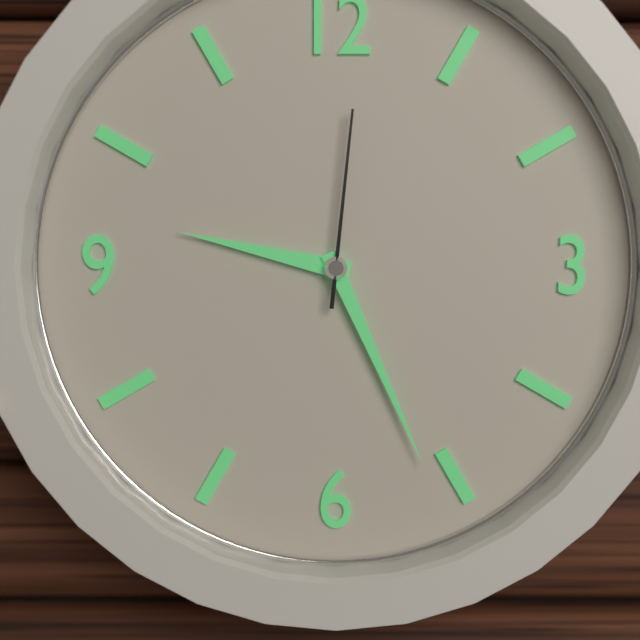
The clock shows h=9 m=26 s=1
